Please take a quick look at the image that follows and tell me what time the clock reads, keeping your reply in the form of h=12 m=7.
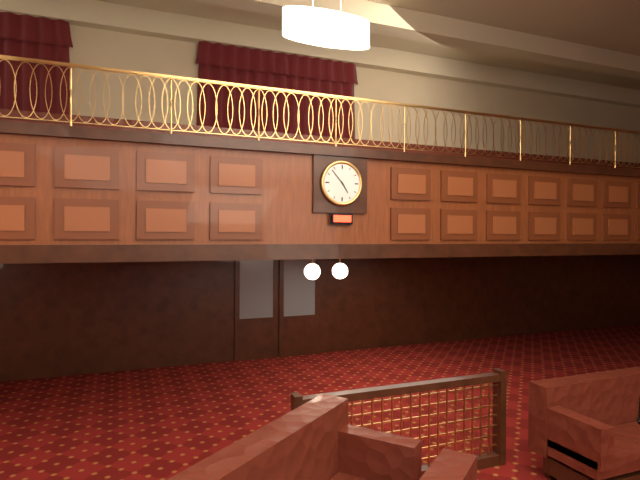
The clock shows h=4 m=53
